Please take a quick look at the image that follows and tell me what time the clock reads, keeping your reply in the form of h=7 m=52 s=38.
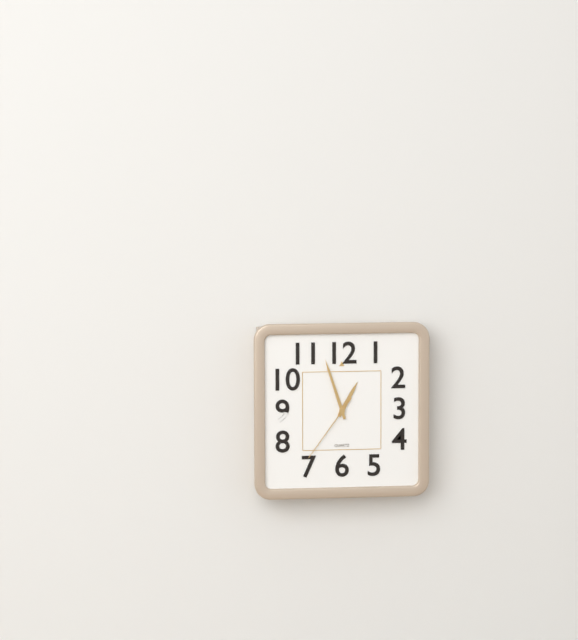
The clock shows h=12 m=57 s=36
